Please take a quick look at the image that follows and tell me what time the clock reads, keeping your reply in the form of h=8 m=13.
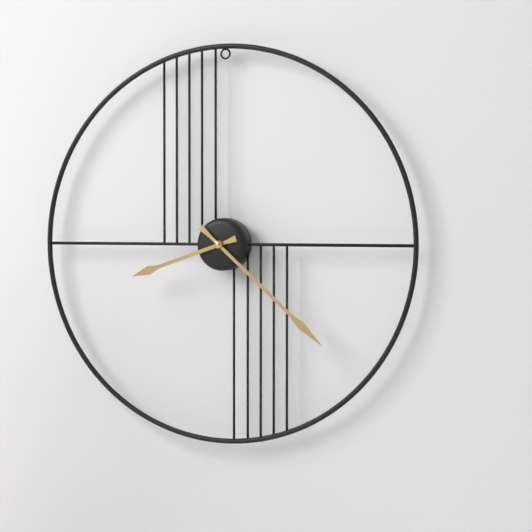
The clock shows h=8 m=22
